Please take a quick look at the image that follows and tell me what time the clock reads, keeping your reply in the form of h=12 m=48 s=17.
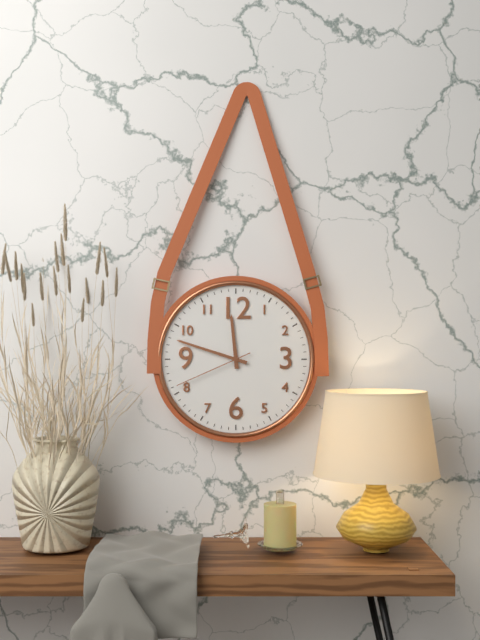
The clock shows h=11 m=48 s=41
